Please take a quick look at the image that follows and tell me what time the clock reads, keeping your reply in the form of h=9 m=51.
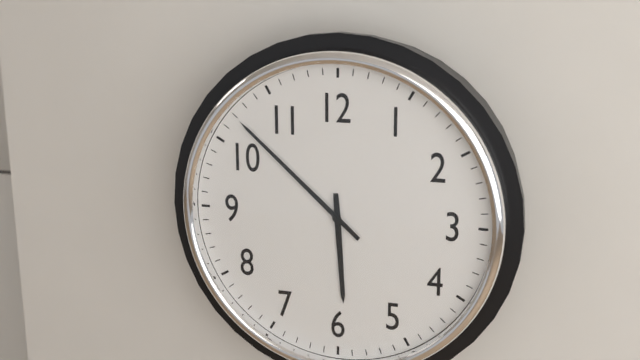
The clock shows h=5 m=52
